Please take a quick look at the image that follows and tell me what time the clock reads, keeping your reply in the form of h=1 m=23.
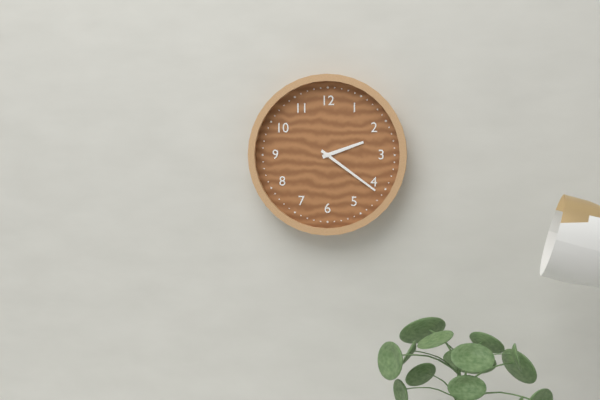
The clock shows h=2 m=21
